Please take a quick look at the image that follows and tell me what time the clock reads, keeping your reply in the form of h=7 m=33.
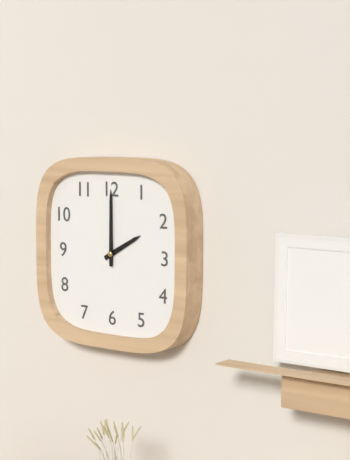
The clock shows h=2 m=0
